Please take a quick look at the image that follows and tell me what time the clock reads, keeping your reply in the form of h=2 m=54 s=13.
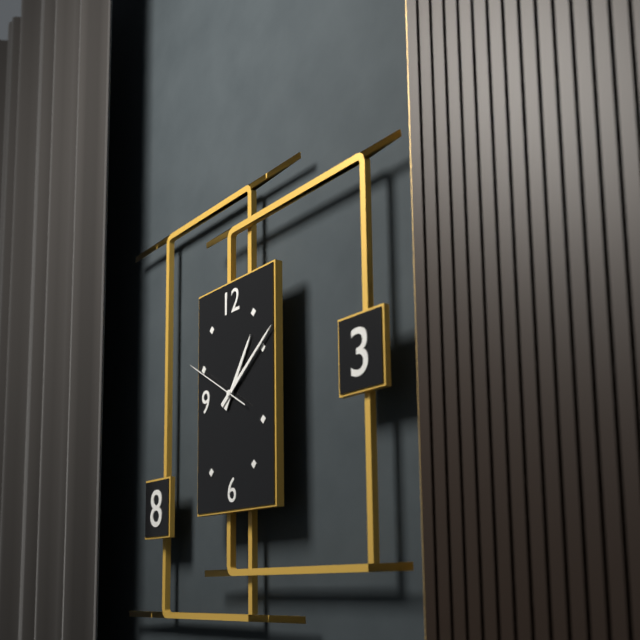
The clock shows h=1 m=9 s=50
